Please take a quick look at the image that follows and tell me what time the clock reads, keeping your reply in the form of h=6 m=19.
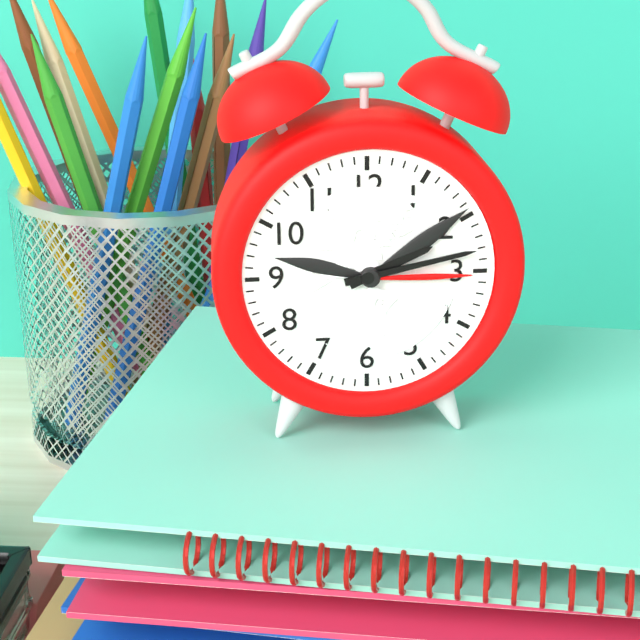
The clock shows h=2 m=13
